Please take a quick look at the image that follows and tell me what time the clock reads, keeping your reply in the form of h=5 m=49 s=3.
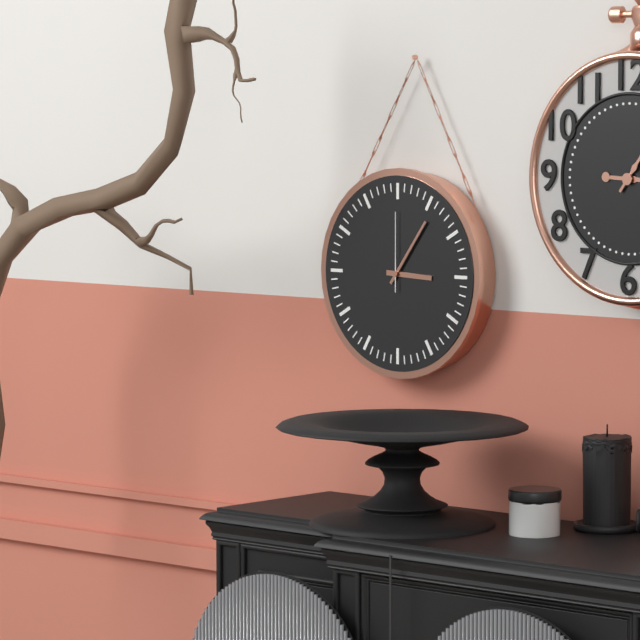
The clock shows h=3 m=6 s=0
